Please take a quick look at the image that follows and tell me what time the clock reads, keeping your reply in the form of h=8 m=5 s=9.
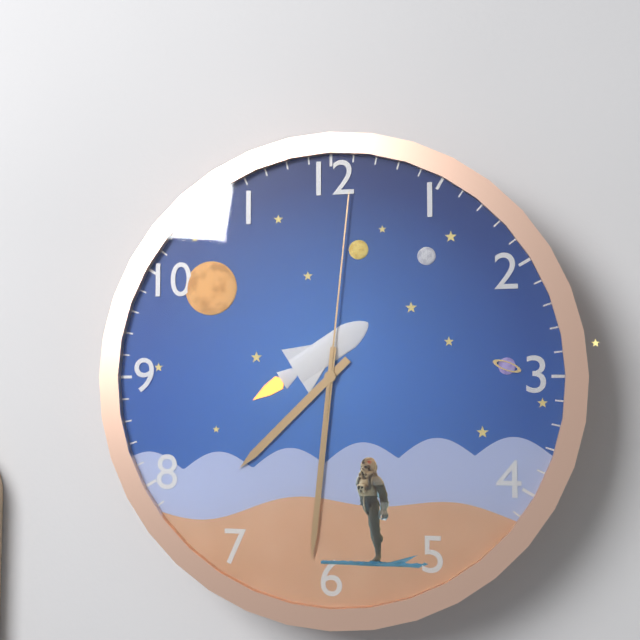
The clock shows h=7 m=31 s=1
